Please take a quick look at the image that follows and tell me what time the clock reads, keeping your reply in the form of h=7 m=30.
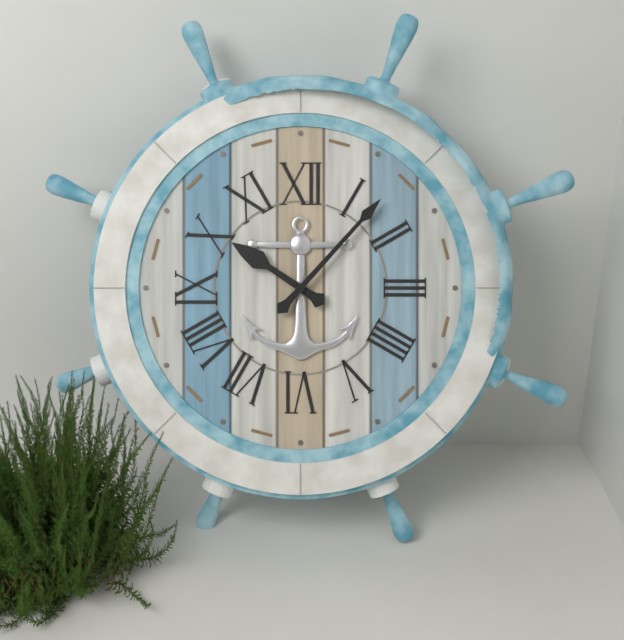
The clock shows h=10 m=7
